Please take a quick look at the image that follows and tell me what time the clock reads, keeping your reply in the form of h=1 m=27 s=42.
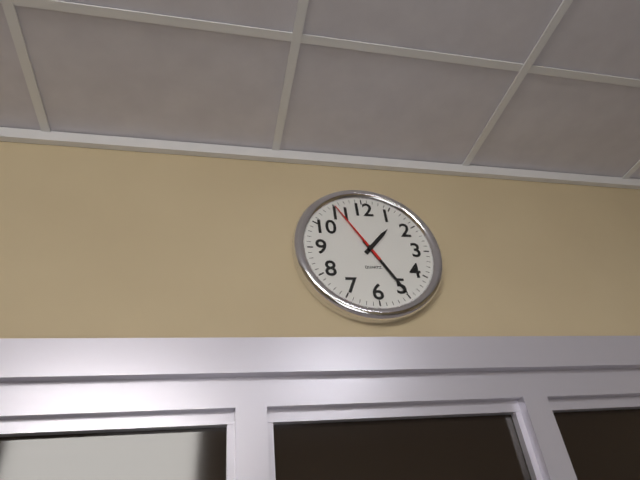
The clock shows h=1 m=25 s=55
